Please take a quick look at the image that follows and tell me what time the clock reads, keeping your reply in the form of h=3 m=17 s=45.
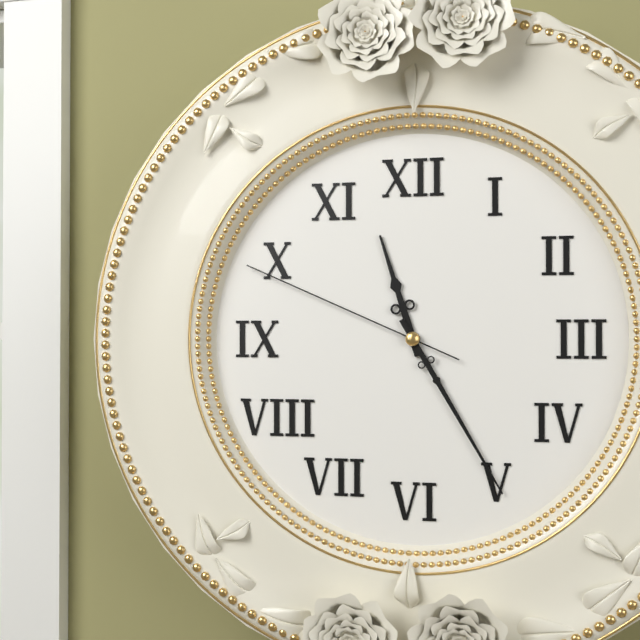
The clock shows h=11 m=25 s=49
